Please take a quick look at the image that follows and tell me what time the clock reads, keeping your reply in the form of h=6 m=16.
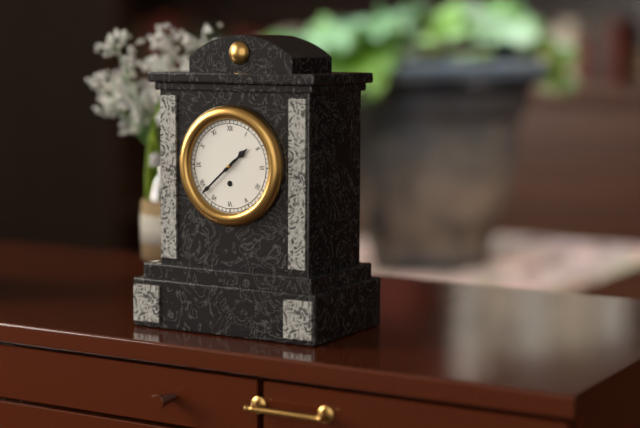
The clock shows h=1 m=38
